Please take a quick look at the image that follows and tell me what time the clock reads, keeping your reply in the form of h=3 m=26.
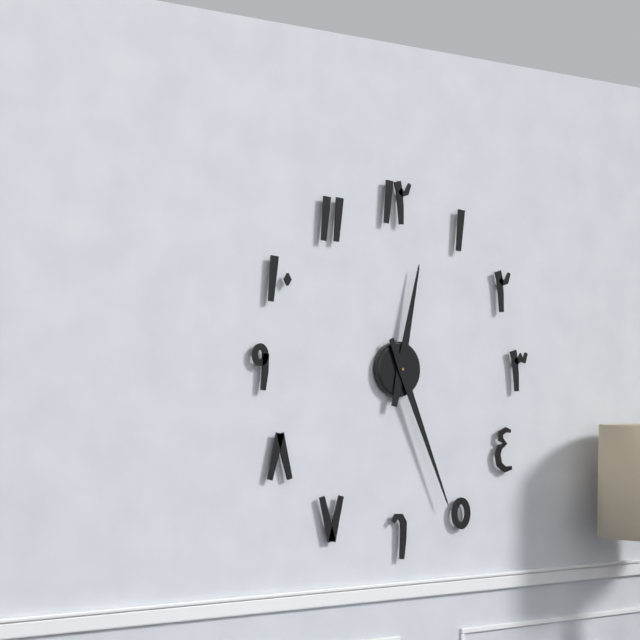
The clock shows h=12 m=26
